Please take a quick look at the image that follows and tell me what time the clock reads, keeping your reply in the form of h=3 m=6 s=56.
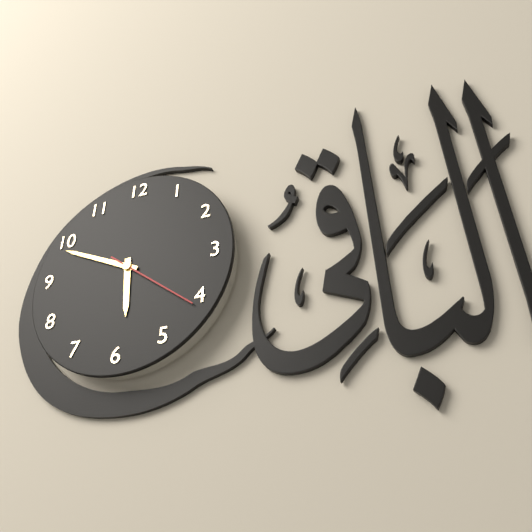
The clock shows h=5 m=49 s=21
